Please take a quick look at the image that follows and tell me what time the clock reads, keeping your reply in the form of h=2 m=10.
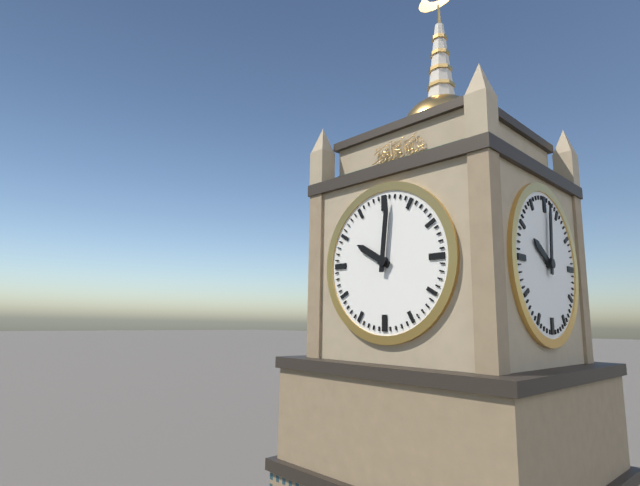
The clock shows h=10 m=1
